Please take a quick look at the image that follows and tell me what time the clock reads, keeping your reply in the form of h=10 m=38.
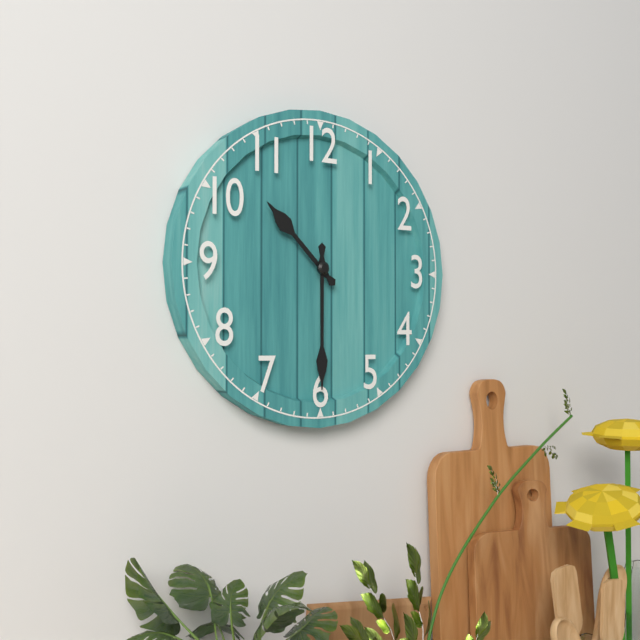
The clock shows h=10 m=30
